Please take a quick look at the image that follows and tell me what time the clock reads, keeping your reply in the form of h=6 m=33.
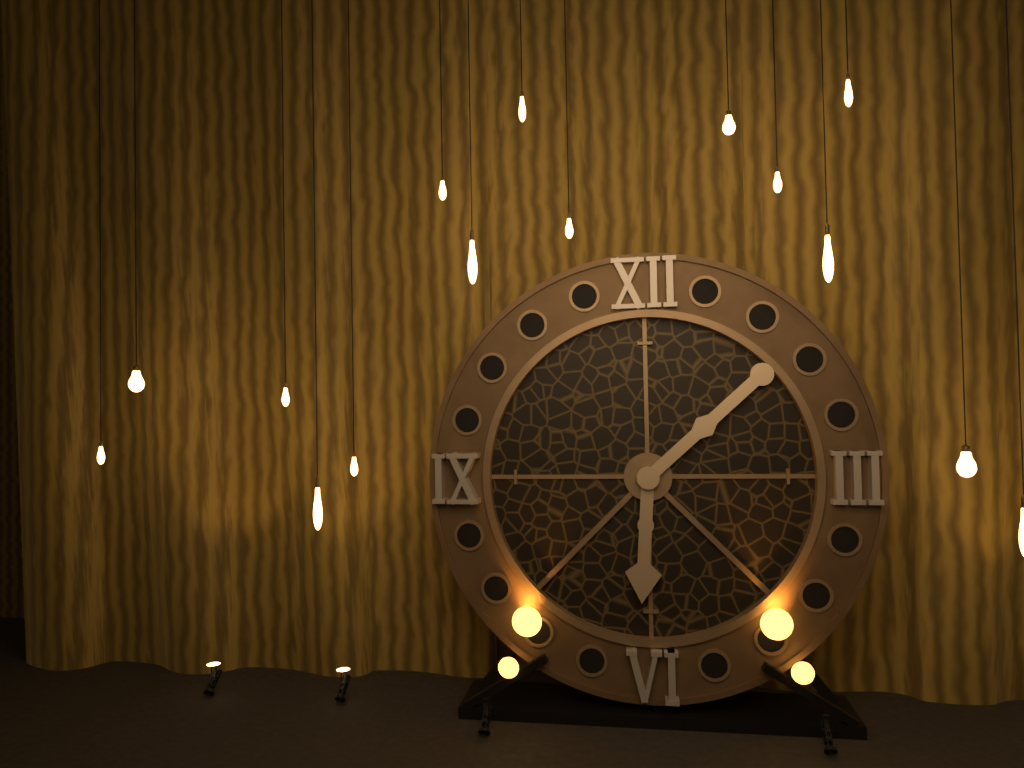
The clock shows h=6 m=8
